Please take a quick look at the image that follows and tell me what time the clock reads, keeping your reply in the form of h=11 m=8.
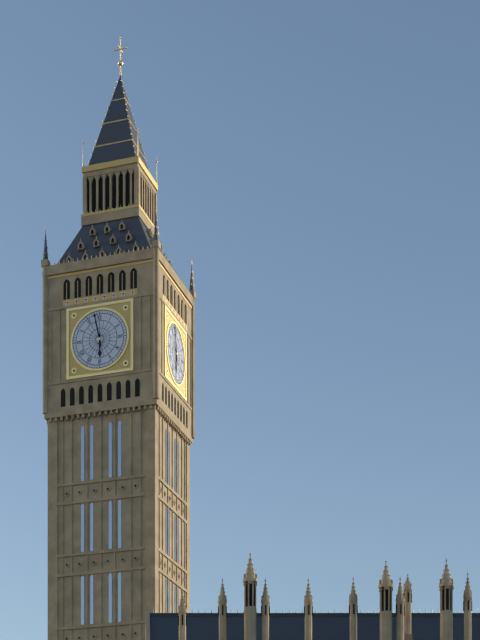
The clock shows h=5 m=58
